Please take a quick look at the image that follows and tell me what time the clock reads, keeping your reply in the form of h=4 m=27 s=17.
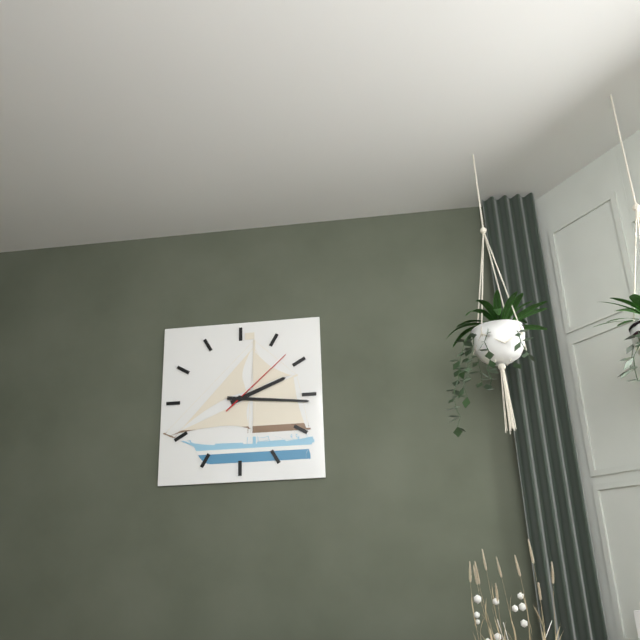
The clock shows h=2 m=16 s=8
